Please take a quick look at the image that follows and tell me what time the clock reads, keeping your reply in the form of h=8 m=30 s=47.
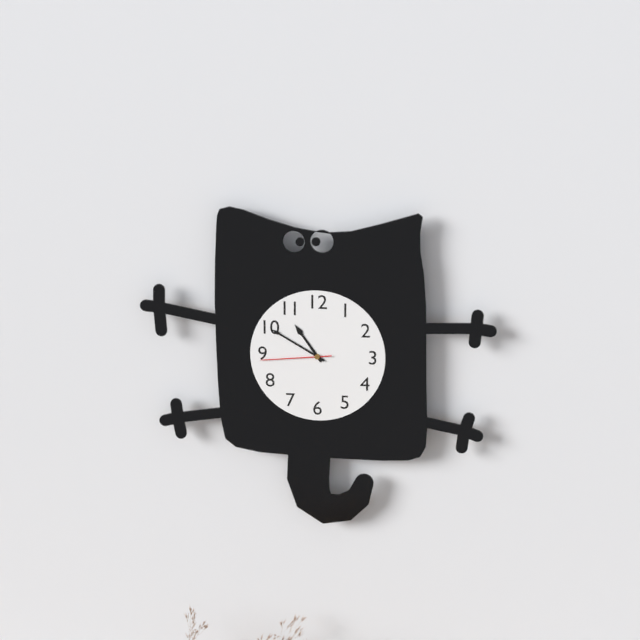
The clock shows h=10 m=50 s=44
